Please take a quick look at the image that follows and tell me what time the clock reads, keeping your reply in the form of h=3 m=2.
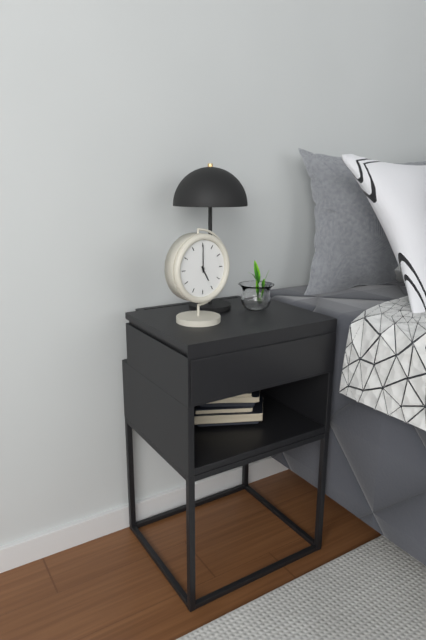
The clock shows h=5 m=0
